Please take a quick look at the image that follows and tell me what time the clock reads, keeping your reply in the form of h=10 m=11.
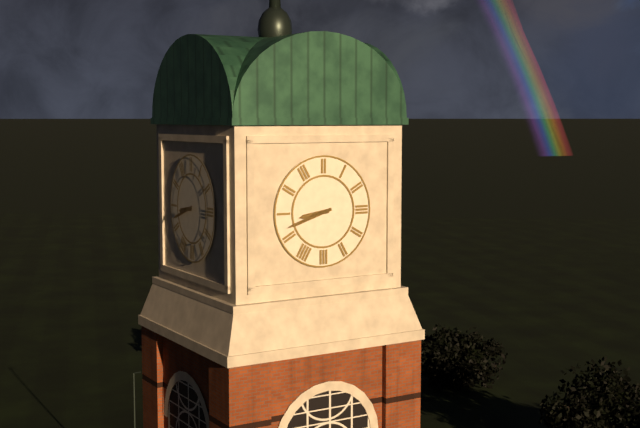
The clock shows h=8 m=42
